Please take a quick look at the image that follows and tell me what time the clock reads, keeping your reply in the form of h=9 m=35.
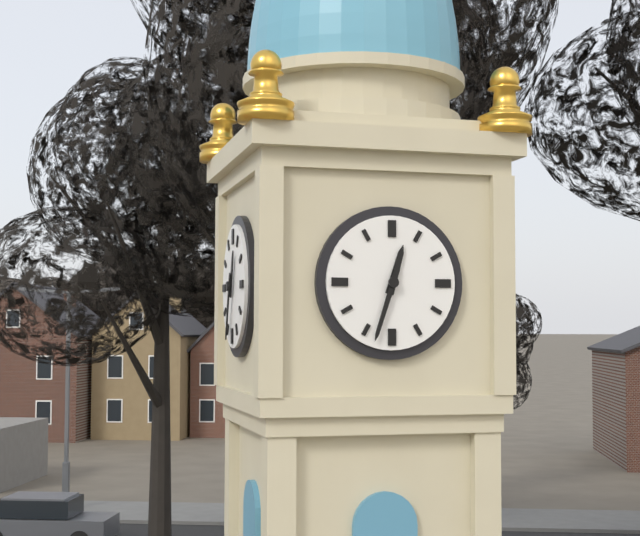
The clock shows h=12 m=33
